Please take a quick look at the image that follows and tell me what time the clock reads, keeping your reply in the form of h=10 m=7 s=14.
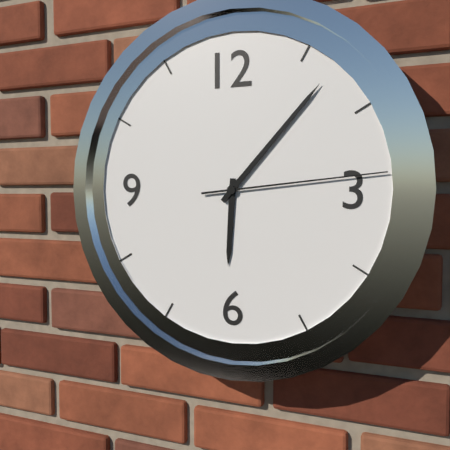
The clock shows h=6 m=7 s=14
